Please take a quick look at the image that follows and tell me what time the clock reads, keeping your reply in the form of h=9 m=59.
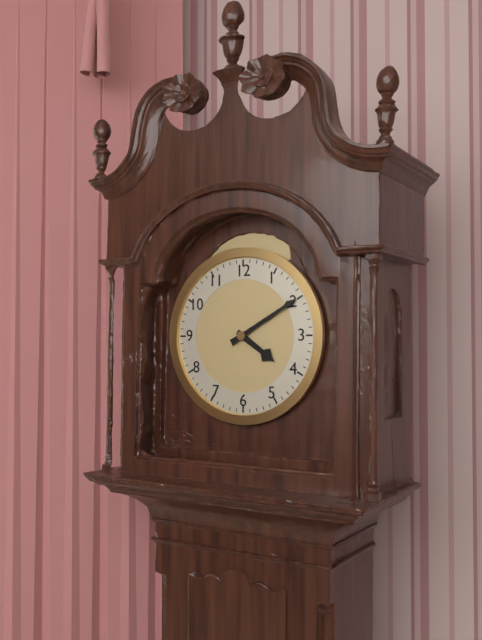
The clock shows h=4 m=10
